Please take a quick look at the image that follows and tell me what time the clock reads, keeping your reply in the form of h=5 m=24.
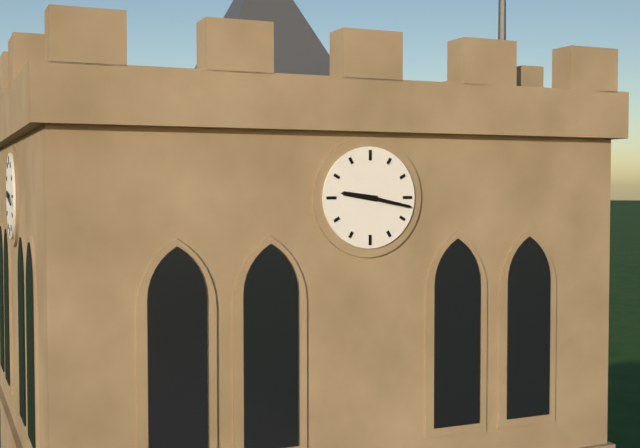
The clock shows h=9 m=17
